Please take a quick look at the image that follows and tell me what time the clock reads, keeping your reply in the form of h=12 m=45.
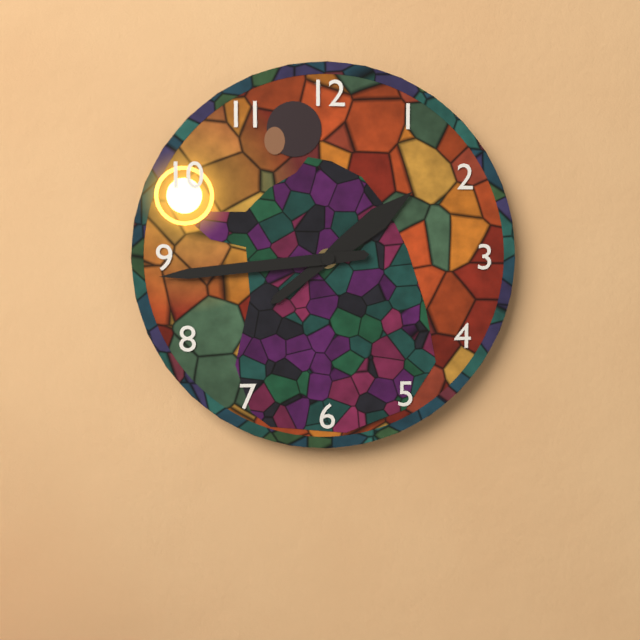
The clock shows h=1 m=44
